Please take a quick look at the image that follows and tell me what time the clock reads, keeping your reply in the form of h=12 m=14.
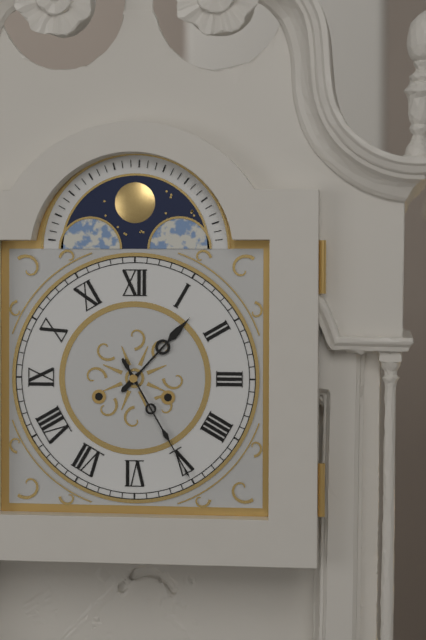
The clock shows h=1 m=25
